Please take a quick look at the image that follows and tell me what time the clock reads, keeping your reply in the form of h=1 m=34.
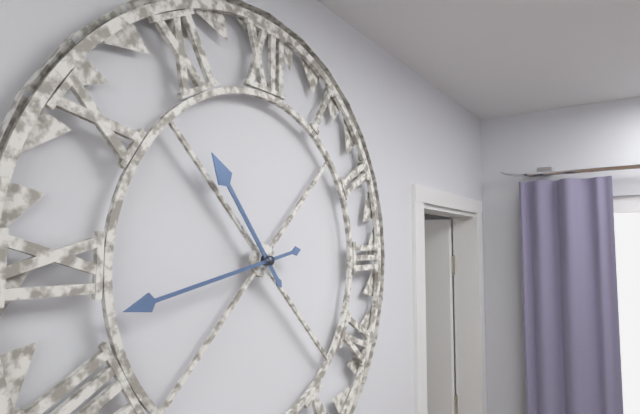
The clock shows h=10 m=43
